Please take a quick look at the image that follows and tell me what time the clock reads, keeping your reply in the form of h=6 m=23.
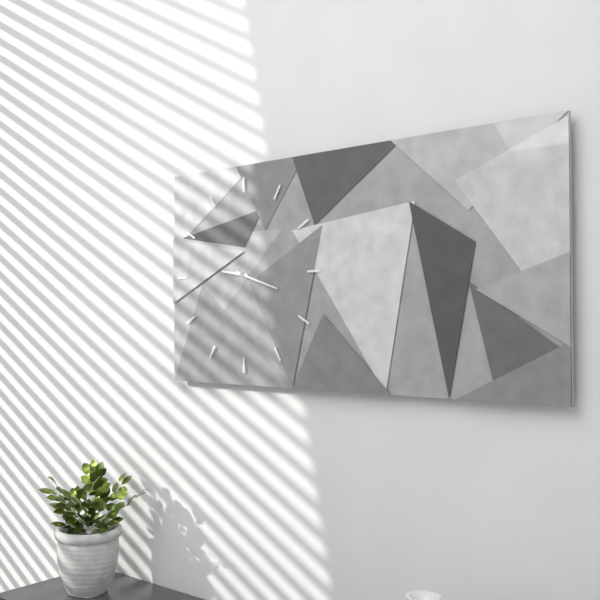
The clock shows h=9 m=18
